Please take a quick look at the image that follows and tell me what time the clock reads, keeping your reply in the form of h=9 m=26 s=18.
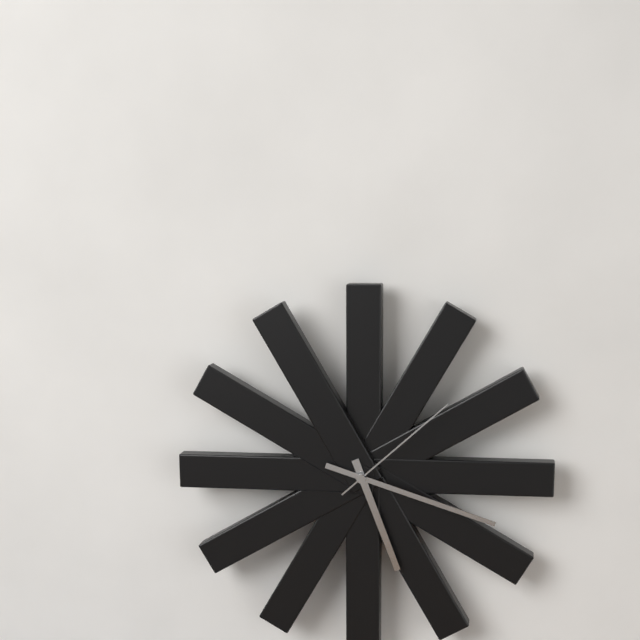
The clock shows h=5 m=18 s=8
